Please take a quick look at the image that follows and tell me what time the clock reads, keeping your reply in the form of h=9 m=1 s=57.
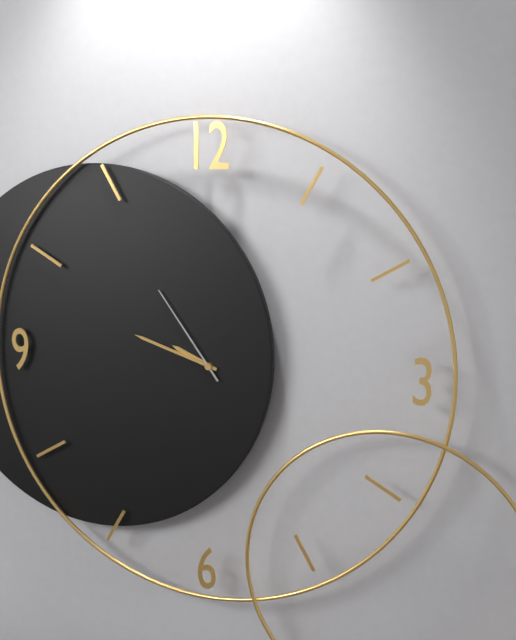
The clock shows h=9 m=48 s=54
